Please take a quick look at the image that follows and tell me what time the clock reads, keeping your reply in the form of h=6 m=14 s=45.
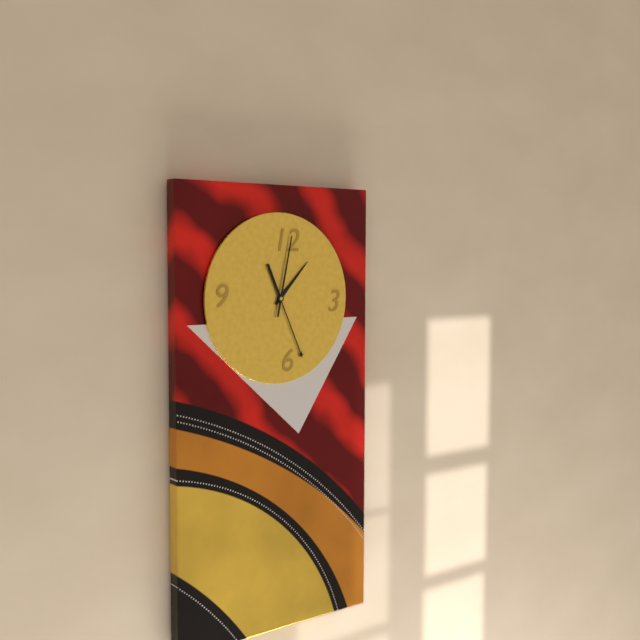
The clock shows h=1 m=26 s=2
